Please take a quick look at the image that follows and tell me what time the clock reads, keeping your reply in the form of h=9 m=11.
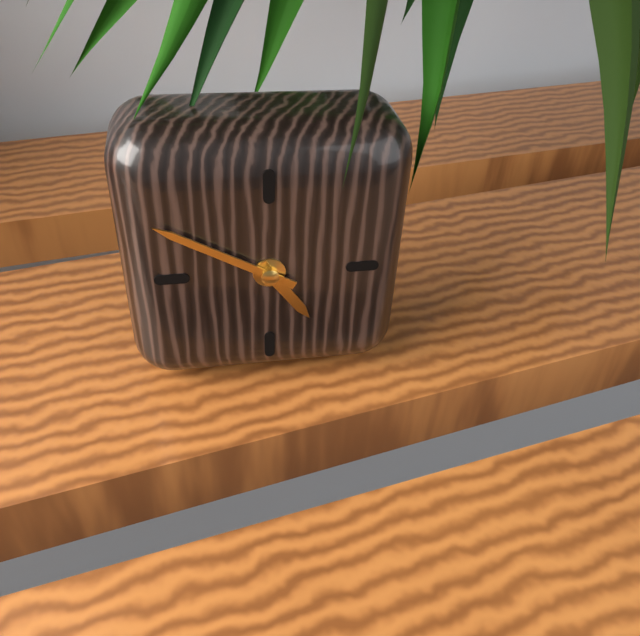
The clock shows h=4 m=50
